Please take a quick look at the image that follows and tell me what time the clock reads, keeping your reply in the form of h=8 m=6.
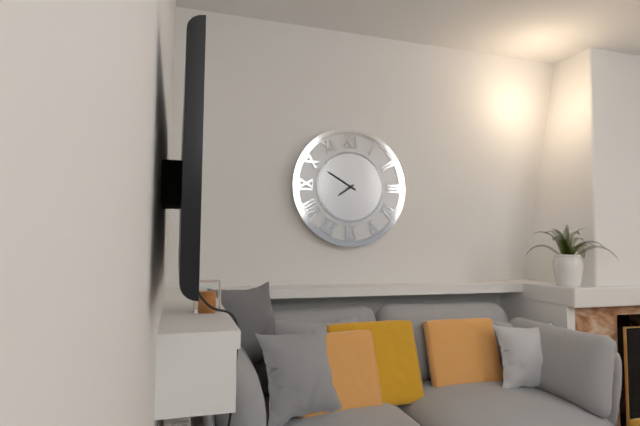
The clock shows h=7 m=50
